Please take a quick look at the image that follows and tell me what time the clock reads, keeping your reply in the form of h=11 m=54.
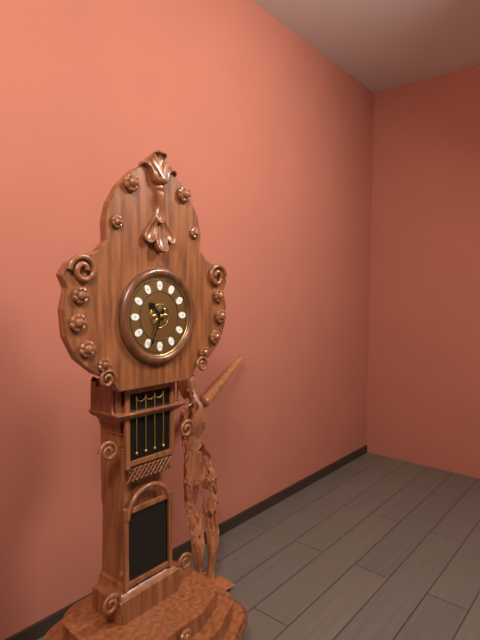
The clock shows h=10 m=34
